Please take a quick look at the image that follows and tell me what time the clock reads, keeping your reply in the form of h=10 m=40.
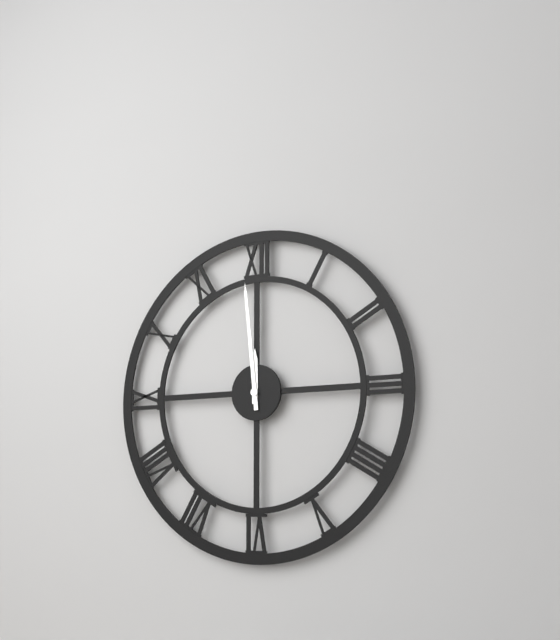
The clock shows h=11 m=59
